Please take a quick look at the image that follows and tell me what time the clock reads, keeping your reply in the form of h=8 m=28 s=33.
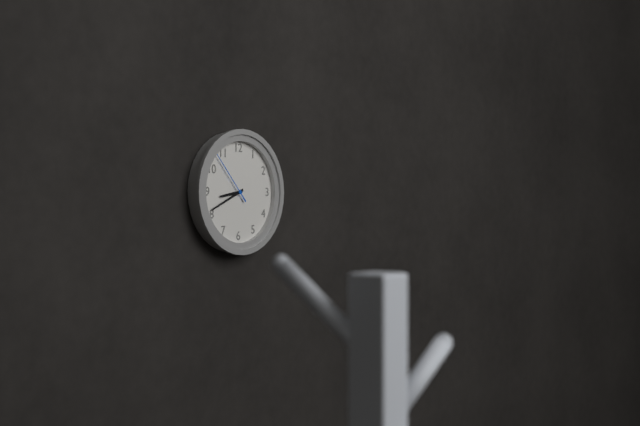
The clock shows h=8 m=41 s=53
